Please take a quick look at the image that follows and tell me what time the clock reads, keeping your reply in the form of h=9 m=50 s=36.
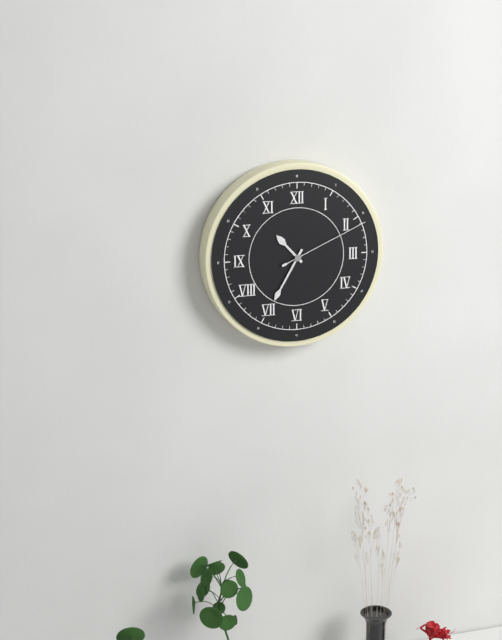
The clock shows h=10 m=35 s=11
